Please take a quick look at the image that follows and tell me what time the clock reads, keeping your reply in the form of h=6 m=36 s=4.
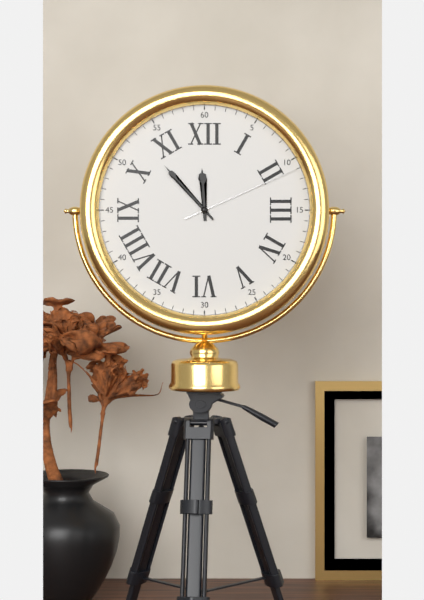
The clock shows h=11 m=53 s=11
